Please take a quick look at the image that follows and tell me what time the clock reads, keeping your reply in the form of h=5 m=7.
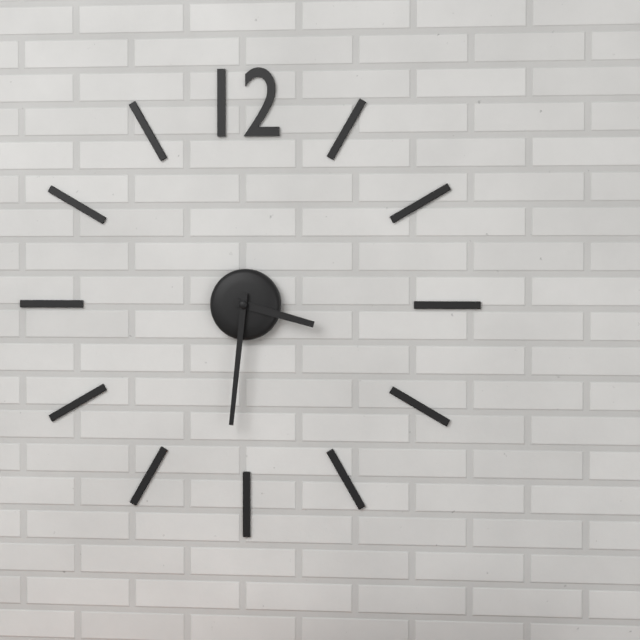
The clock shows h=3 m=31
